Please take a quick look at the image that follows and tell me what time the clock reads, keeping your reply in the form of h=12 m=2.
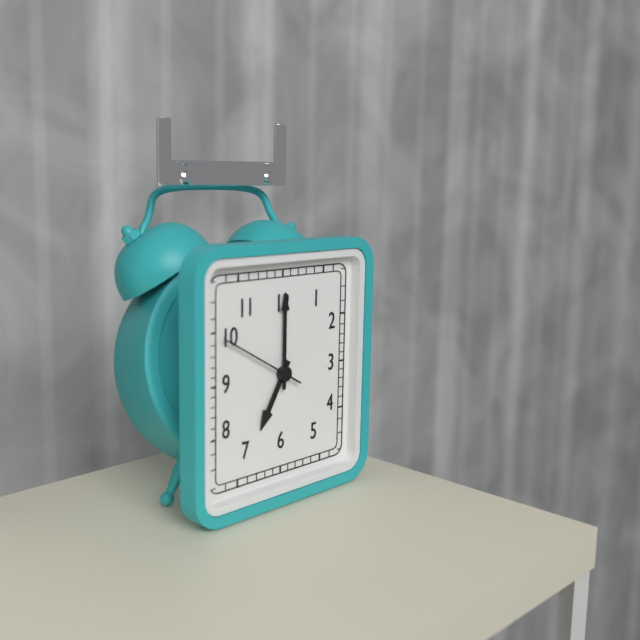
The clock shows h=7 m=0
